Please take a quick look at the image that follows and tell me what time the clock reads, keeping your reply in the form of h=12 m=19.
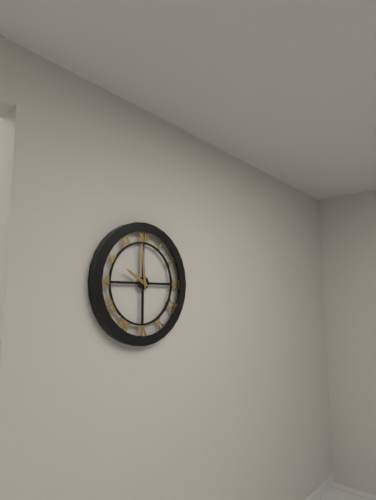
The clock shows h=9 m=59
